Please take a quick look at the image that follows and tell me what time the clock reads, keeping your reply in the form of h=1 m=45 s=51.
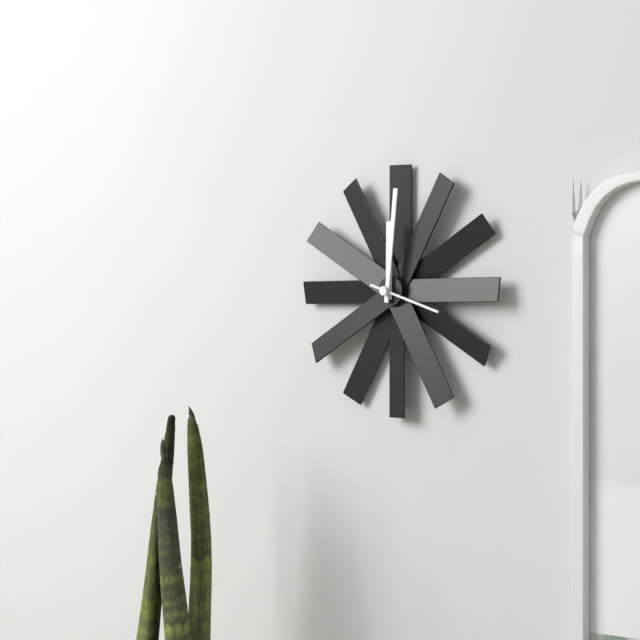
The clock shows h=12 m=1 s=18
